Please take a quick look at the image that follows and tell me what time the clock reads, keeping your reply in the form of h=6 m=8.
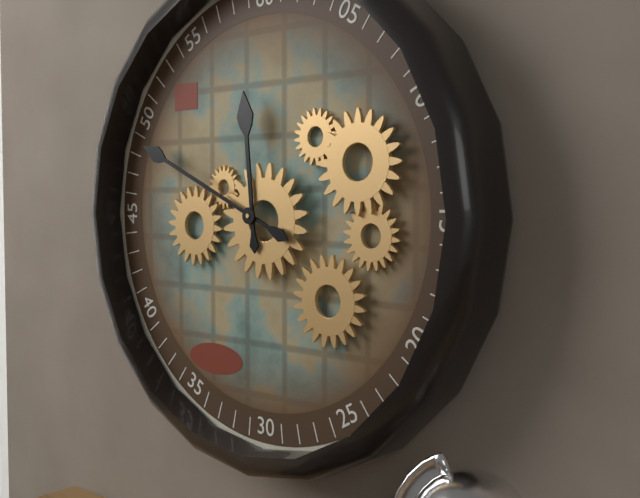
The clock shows h=11 m=49
